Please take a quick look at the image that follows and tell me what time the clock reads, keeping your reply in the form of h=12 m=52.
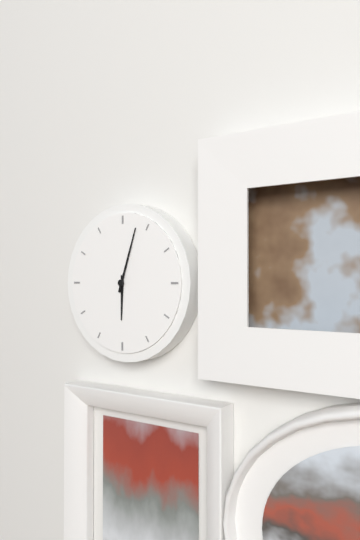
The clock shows h=6 m=3
